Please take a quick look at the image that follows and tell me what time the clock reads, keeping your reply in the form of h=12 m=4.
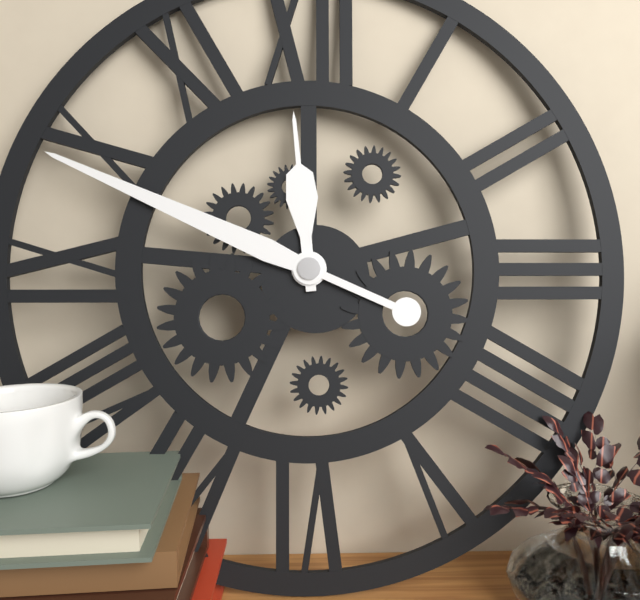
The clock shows h=11 m=49
